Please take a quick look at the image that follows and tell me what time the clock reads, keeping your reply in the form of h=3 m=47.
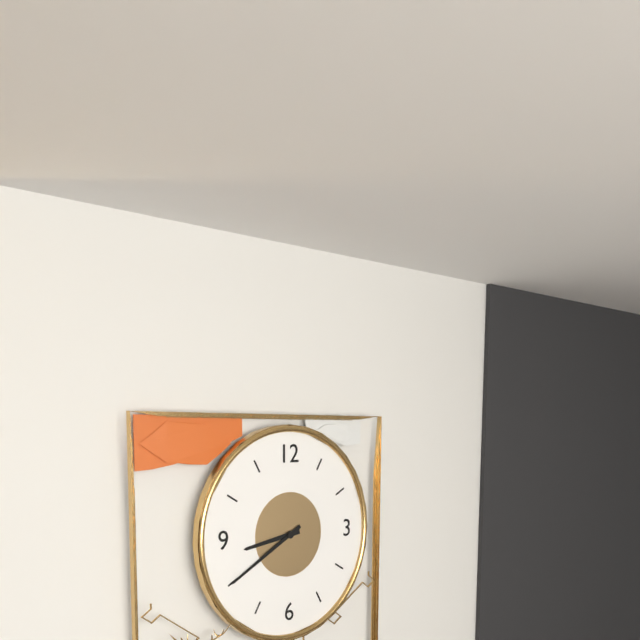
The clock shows h=8 m=40
